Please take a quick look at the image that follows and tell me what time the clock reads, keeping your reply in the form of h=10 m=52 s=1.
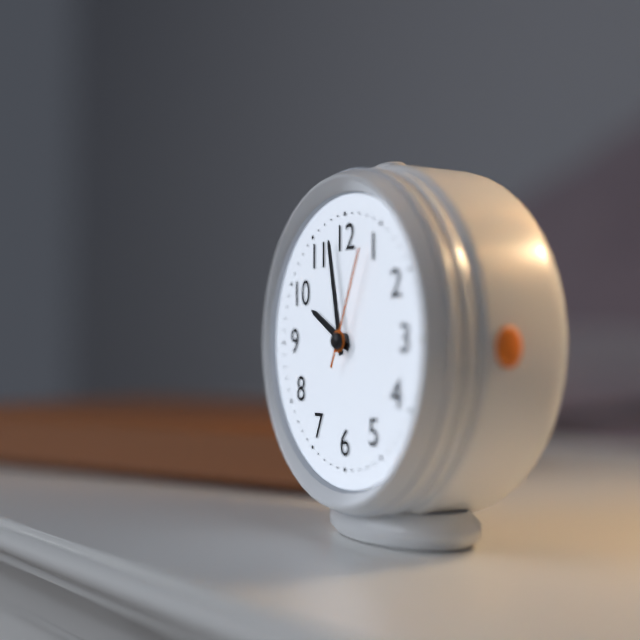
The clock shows h=9 m=58 s=4
